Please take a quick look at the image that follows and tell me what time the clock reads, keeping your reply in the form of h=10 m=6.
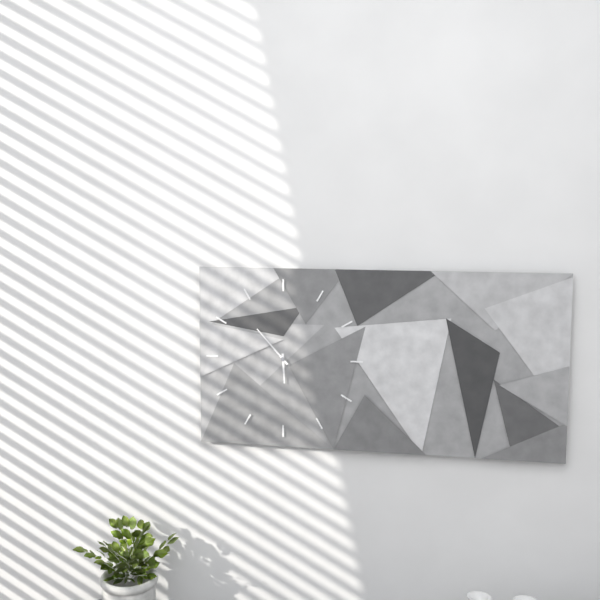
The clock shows h=5 m=53
